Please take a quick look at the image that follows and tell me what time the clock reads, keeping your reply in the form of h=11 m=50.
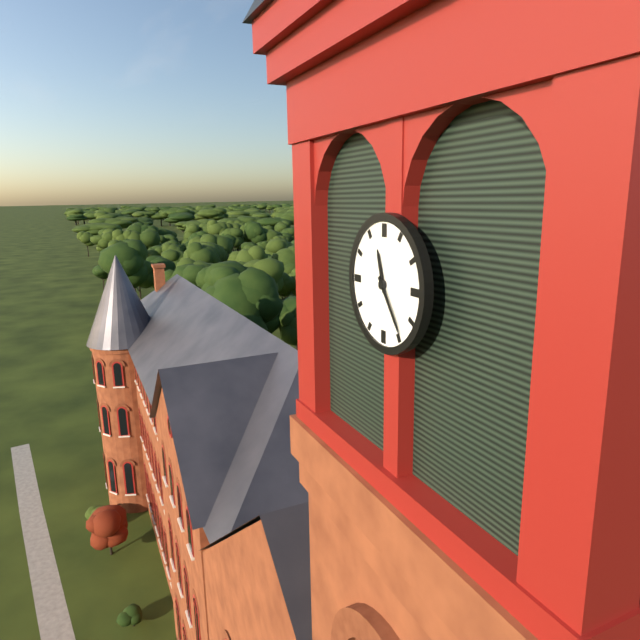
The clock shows h=11 m=24
